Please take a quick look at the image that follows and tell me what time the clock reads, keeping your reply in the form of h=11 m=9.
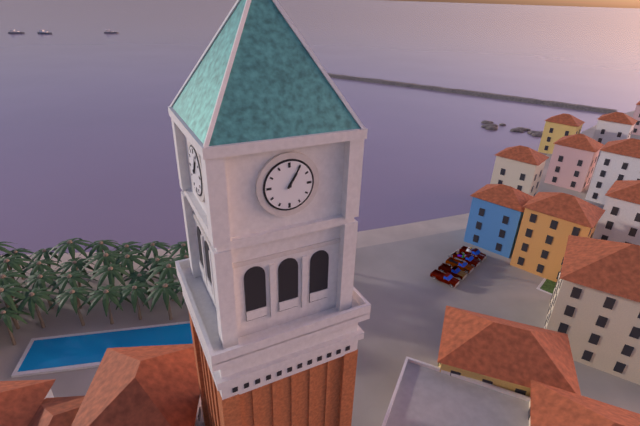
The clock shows h=1 m=5
